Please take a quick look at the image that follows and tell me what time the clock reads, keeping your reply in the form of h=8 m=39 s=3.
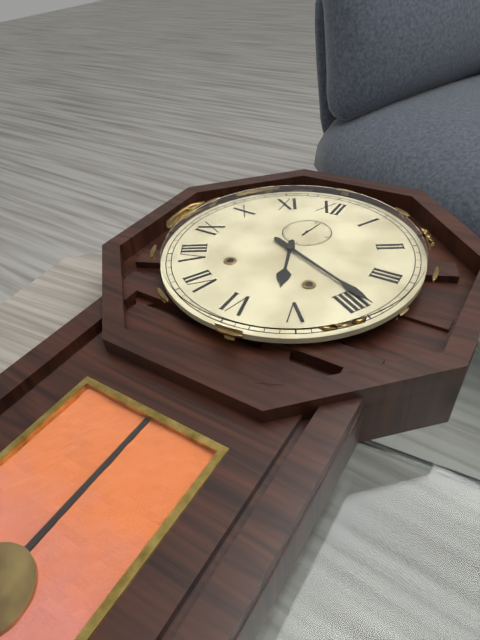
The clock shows h=5 m=19 s=2
